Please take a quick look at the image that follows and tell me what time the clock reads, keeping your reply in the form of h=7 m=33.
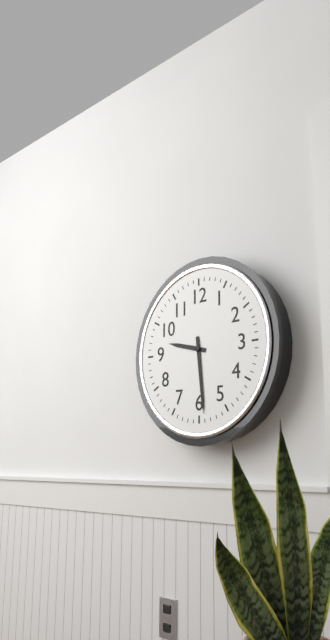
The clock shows h=9 m=29
